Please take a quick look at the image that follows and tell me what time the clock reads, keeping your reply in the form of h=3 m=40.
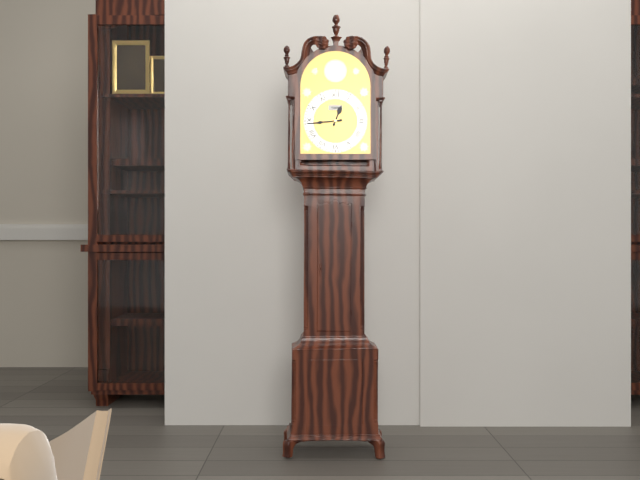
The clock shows h=12 m=44
